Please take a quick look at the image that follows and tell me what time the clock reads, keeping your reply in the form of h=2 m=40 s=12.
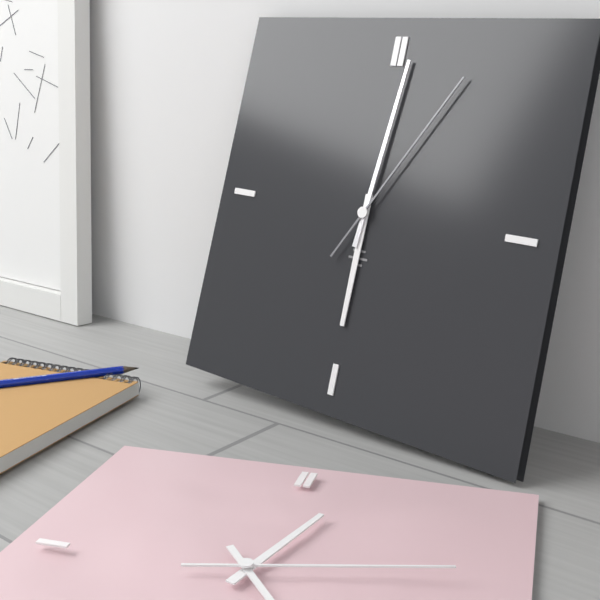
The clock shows h=6 m=1 s=5
